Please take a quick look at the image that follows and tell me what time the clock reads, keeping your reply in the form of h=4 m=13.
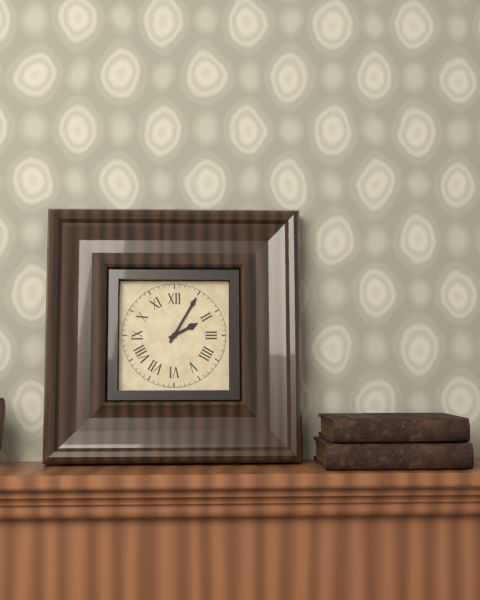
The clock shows h=2 m=5
